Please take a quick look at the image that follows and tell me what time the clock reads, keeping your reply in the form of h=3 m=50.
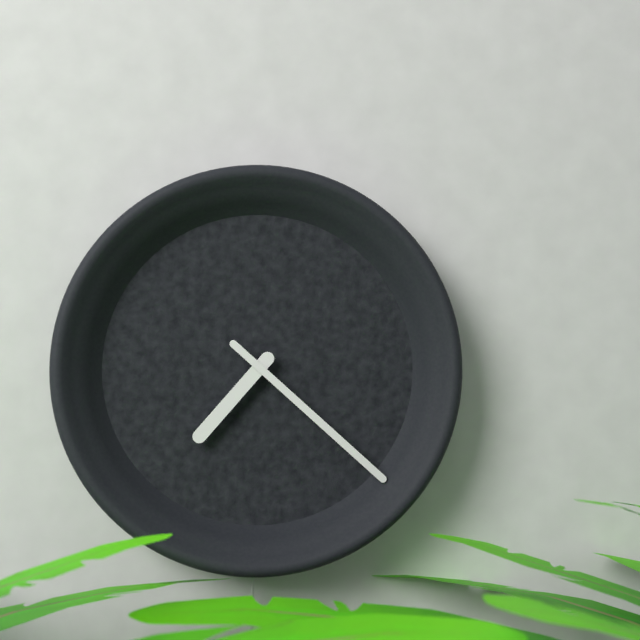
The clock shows h=7 m=22
